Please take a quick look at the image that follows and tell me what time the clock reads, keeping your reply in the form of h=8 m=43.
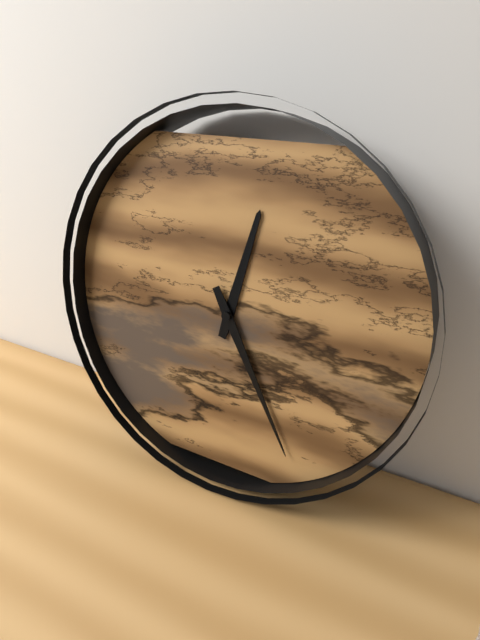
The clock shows h=12 m=25
